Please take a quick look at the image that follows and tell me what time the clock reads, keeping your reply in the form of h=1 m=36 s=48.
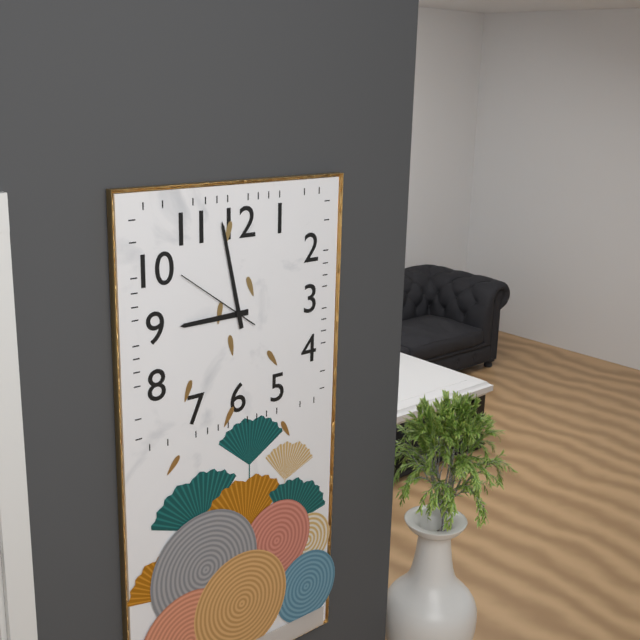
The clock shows h=8 m=58 s=51
